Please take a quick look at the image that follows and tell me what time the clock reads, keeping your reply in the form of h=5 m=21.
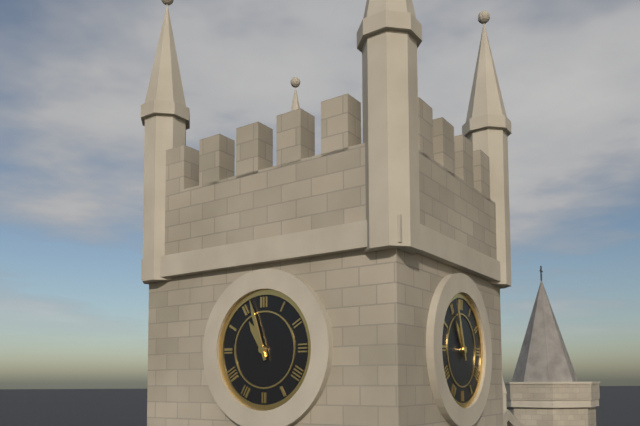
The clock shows h=10 m=57
